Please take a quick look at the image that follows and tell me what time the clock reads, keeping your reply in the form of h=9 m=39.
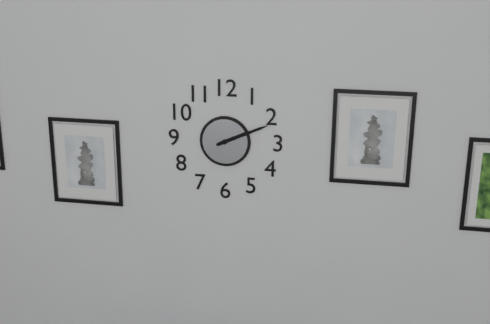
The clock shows h=2 m=11
